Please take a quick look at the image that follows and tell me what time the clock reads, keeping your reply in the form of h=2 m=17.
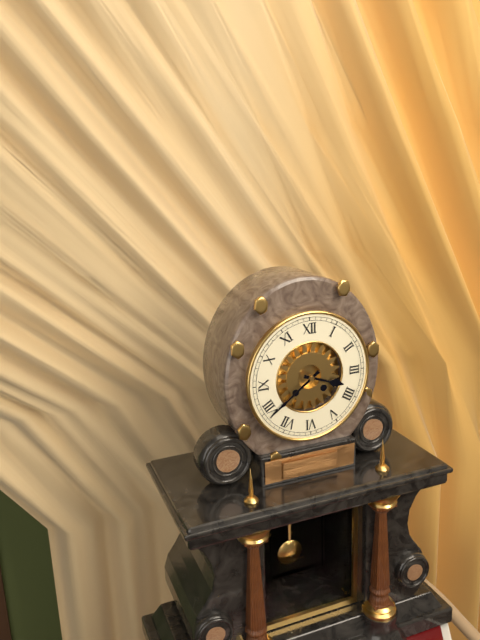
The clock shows h=3 m=39
